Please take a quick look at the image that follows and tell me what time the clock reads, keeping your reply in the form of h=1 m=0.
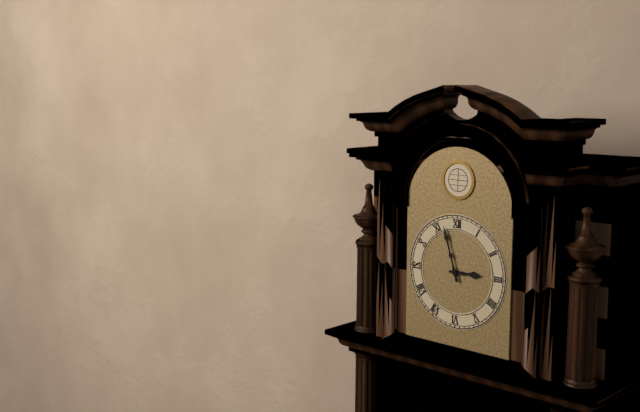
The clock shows h=2 m=57
